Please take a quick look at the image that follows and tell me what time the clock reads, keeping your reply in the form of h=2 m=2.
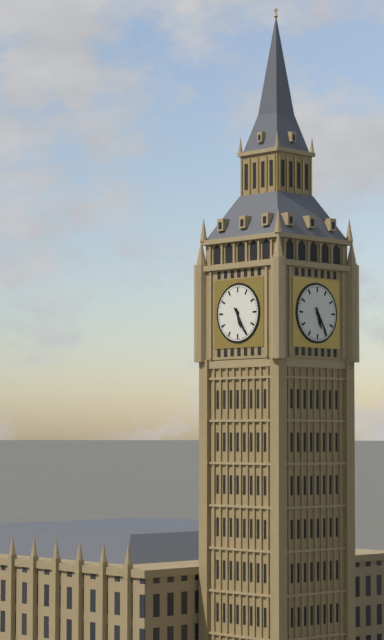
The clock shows h=5 m=25
